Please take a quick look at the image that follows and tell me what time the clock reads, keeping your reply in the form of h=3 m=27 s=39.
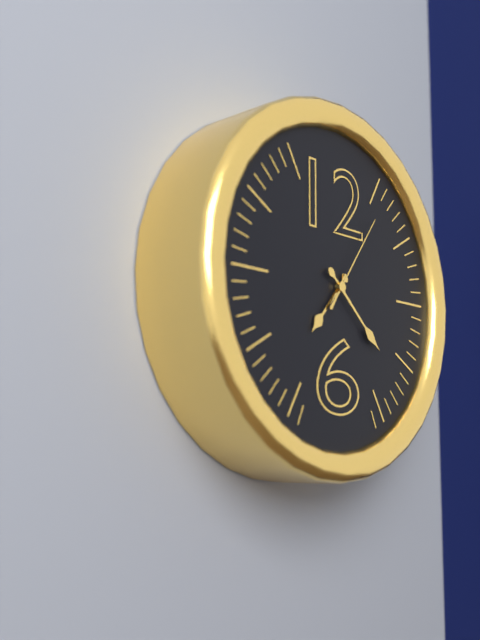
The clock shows h=7 m=22 s=6
